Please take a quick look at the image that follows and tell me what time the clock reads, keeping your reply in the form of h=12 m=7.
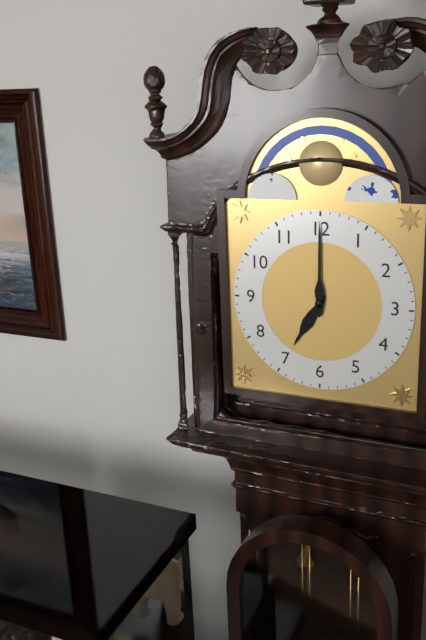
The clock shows h=7 m=0
